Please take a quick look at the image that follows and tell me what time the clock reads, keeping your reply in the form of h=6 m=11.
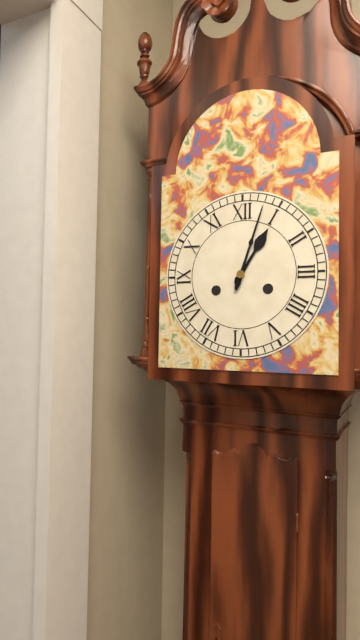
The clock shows h=1 m=3
